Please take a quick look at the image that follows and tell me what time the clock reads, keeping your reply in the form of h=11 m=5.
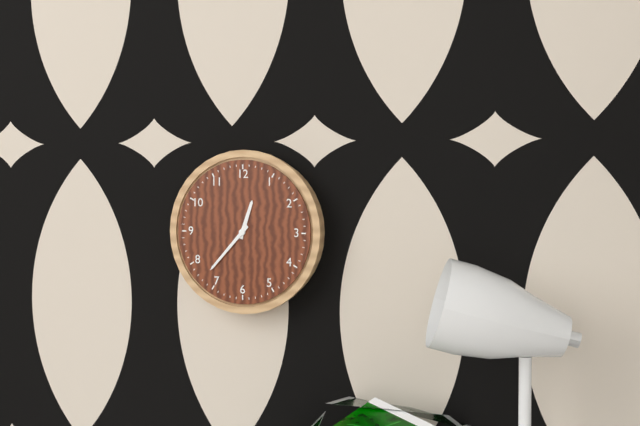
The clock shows h=12 m=37
